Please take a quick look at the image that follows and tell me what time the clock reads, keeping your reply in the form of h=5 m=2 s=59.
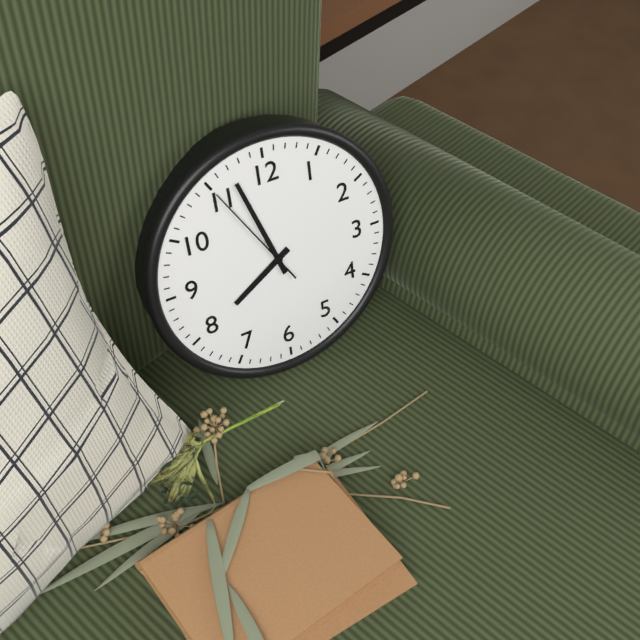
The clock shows h=7 m=57 s=55
